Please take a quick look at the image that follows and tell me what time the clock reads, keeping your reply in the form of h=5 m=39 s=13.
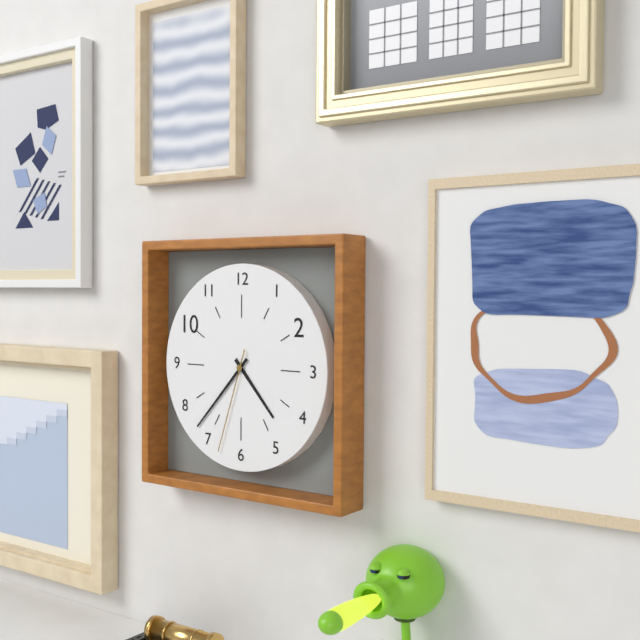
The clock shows h=4 m=37 s=33
